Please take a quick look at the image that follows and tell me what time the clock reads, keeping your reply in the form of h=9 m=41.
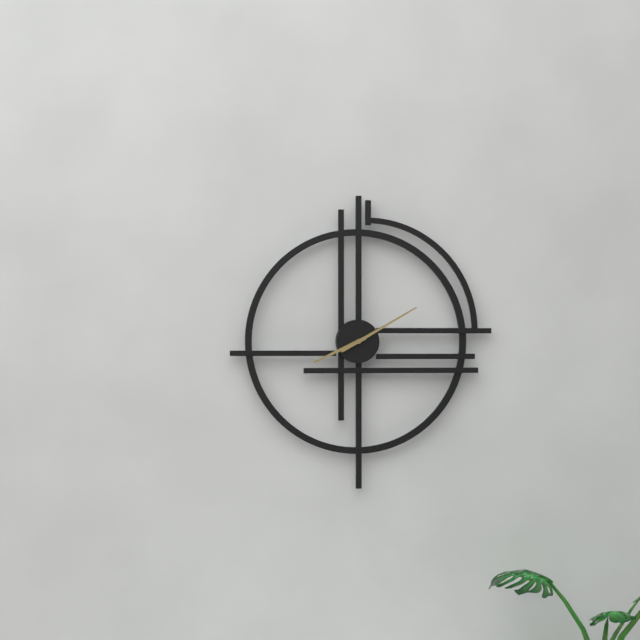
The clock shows h=8 m=10
